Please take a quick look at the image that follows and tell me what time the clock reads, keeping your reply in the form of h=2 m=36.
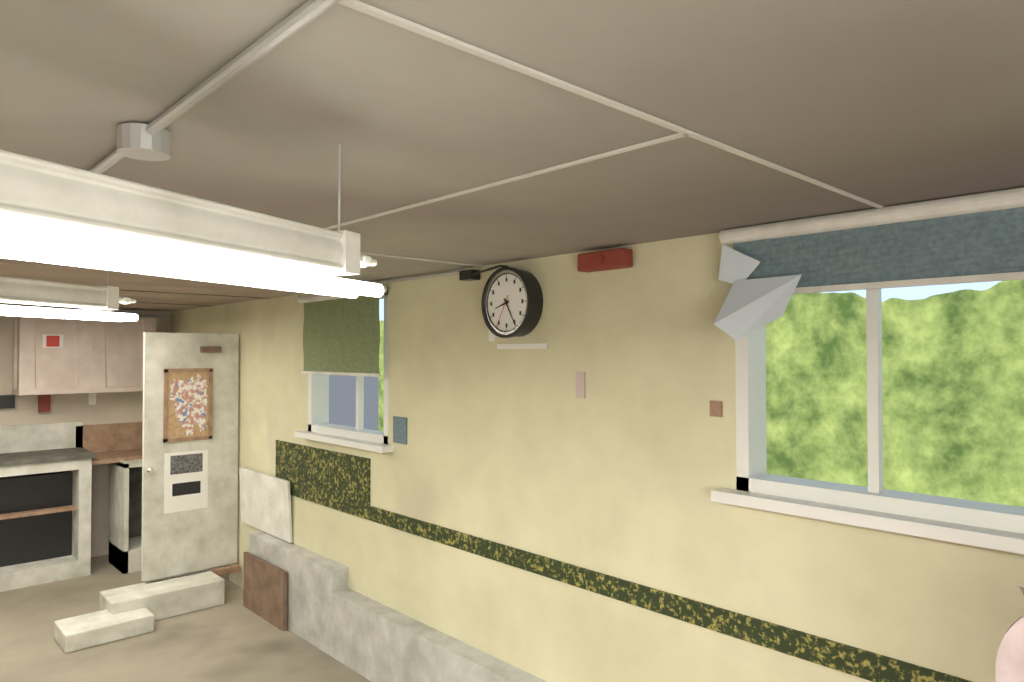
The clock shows h=8 m=25
